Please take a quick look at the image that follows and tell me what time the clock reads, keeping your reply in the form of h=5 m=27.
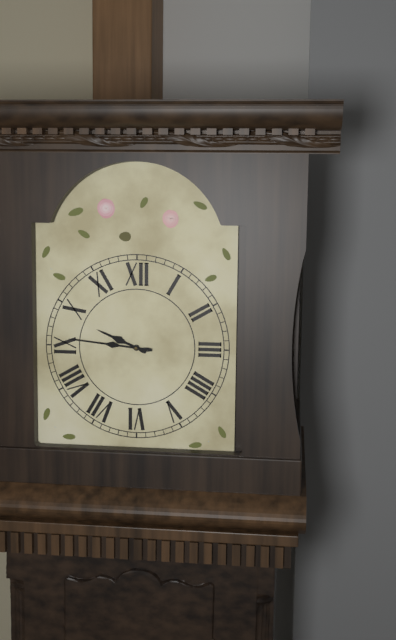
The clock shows h=9 m=46
